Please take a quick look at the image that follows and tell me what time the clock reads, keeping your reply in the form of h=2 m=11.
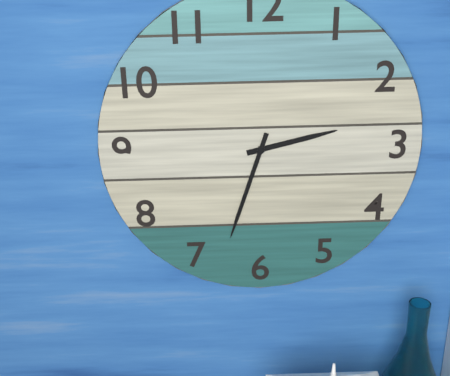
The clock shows h=2 m=33
